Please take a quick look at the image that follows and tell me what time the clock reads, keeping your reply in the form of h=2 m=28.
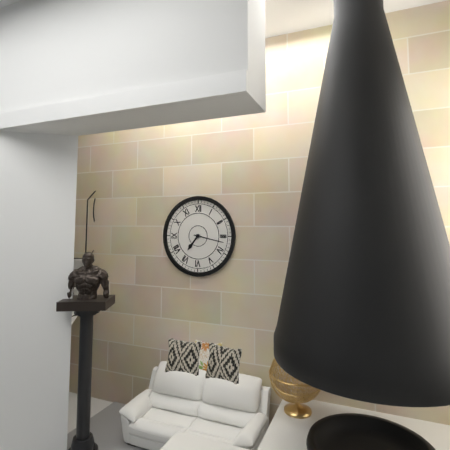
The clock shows h=7 m=17
